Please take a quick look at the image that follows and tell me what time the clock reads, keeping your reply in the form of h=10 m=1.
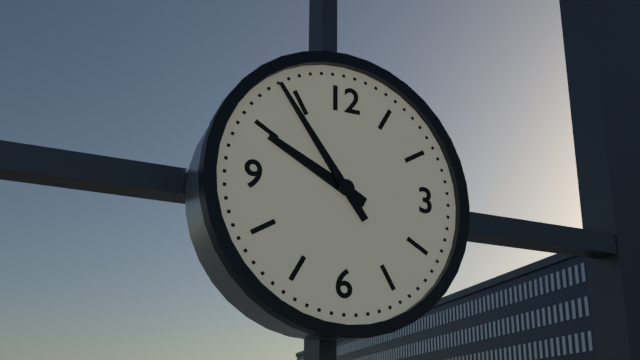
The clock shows h=9 m=54
